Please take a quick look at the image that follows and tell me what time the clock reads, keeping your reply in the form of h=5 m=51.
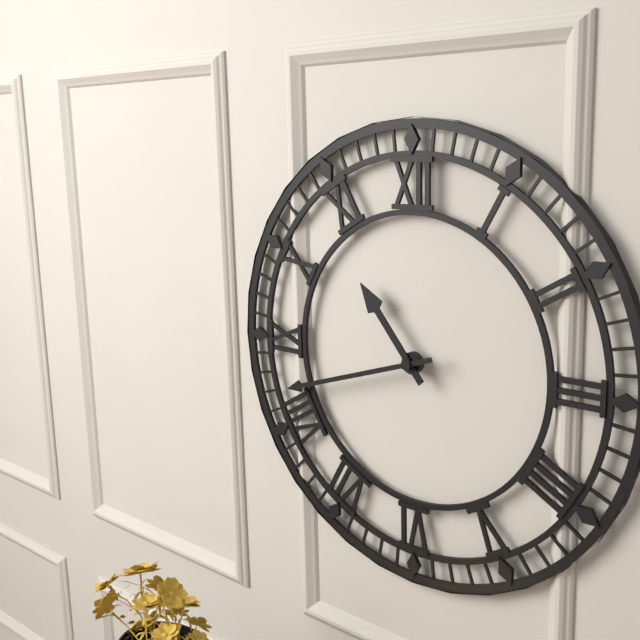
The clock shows h=10 m=42
